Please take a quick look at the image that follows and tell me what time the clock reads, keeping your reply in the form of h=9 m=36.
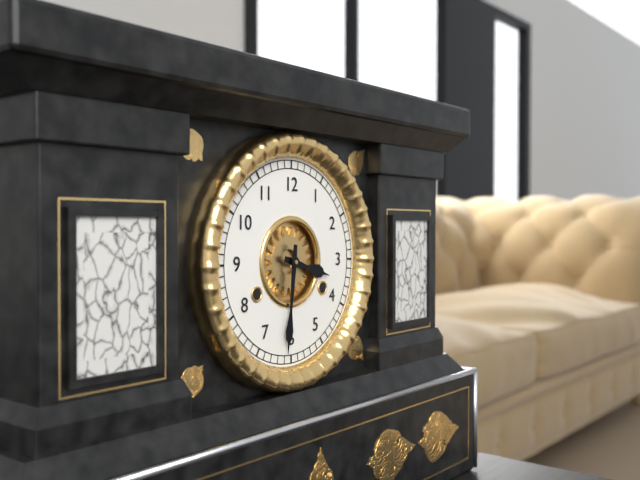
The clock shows h=3 m=31
